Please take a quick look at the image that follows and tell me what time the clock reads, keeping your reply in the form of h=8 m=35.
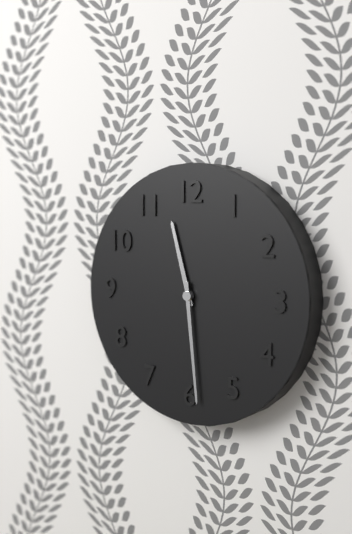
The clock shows h=11 m=29
